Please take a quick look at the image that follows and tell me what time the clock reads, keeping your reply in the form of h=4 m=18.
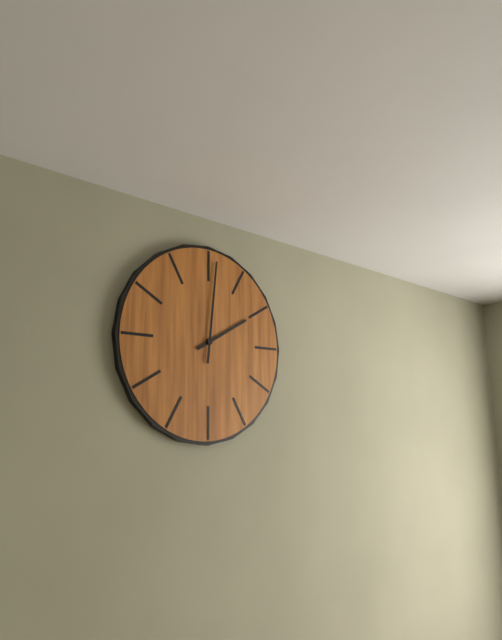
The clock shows h=2 m=1
